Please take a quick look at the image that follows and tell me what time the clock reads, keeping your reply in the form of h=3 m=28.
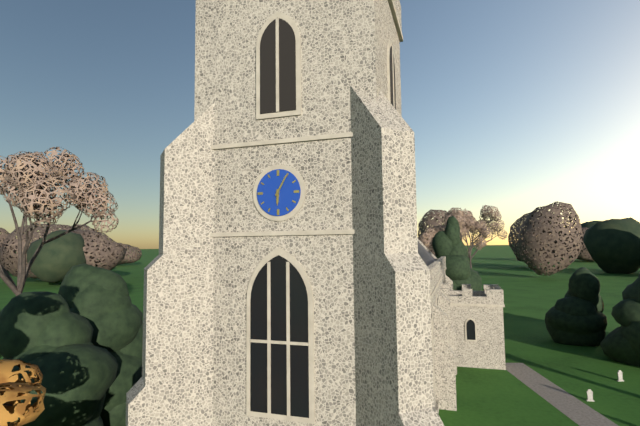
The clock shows h=6 m=5
